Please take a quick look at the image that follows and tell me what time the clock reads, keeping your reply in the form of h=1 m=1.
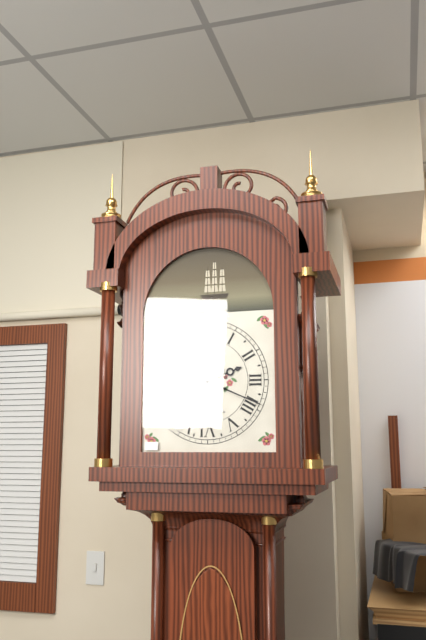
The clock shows h=2 m=19
